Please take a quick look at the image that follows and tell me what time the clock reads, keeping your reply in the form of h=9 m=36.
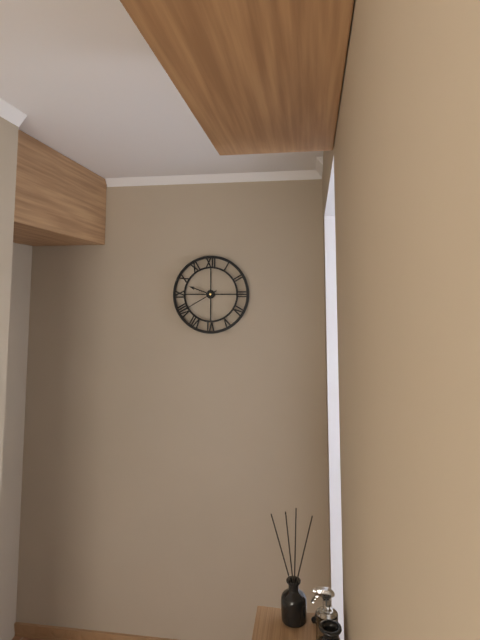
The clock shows h=9 m=40
